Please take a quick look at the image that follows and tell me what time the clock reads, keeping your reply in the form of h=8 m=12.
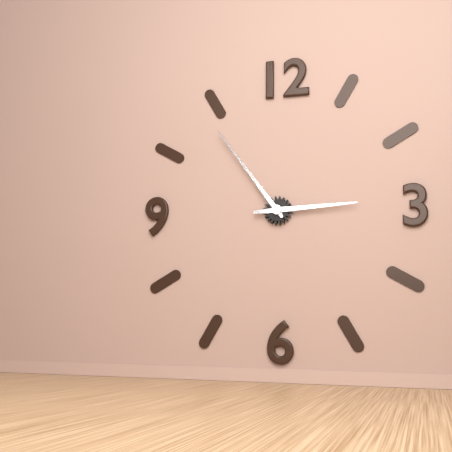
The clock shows h=2 m=54
